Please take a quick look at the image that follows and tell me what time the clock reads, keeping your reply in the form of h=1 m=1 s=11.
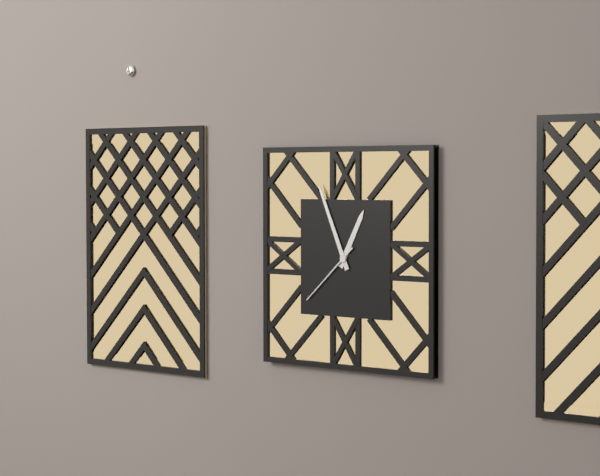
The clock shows h=12 m=56 s=38
